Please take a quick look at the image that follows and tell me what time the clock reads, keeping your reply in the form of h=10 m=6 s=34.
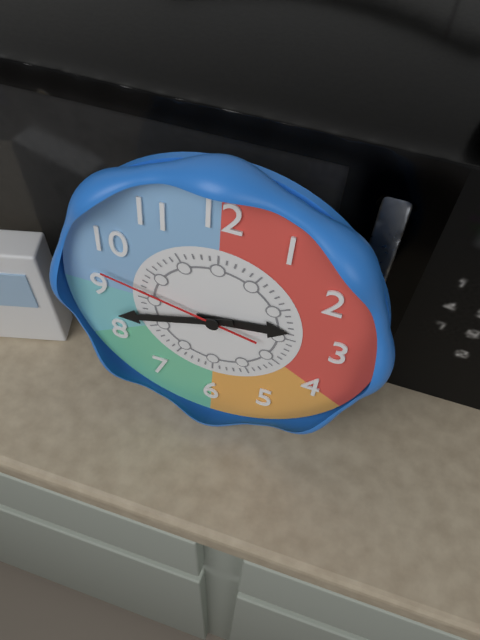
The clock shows h=2 m=42 s=47
